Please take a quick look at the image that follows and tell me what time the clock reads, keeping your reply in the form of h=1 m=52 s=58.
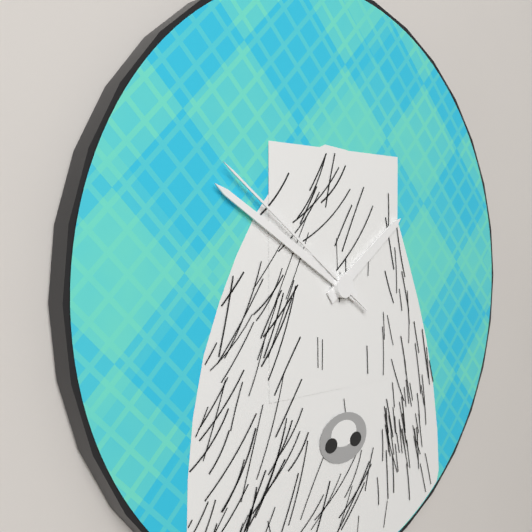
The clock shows h=1 m=50 s=51
